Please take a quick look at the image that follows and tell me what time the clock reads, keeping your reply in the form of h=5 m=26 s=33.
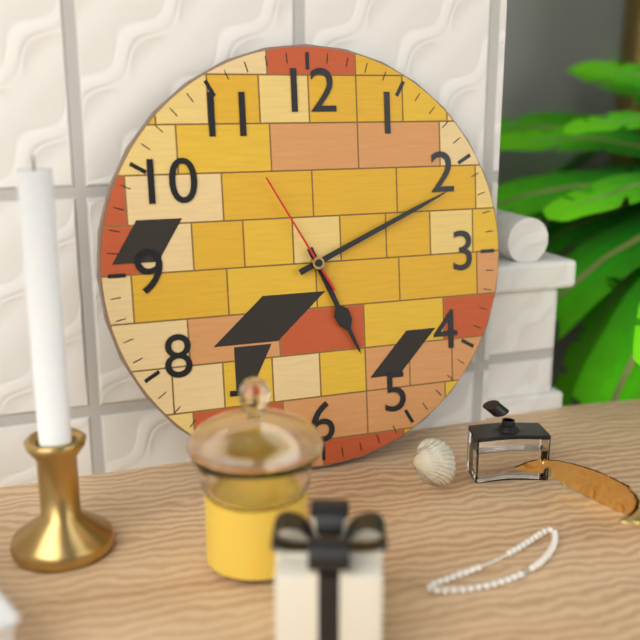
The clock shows h=5 m=11 s=55
